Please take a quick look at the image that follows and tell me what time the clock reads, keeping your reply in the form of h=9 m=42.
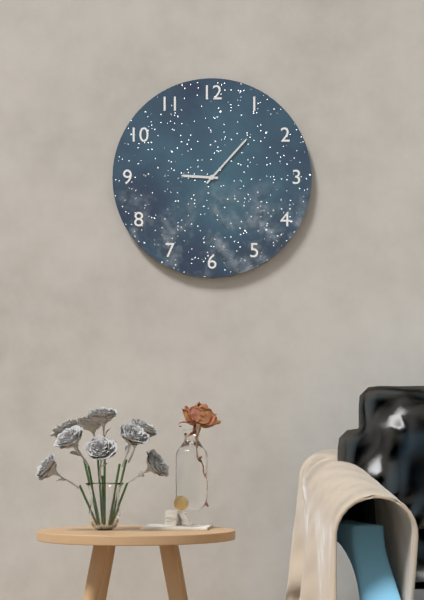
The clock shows h=9 m=7
